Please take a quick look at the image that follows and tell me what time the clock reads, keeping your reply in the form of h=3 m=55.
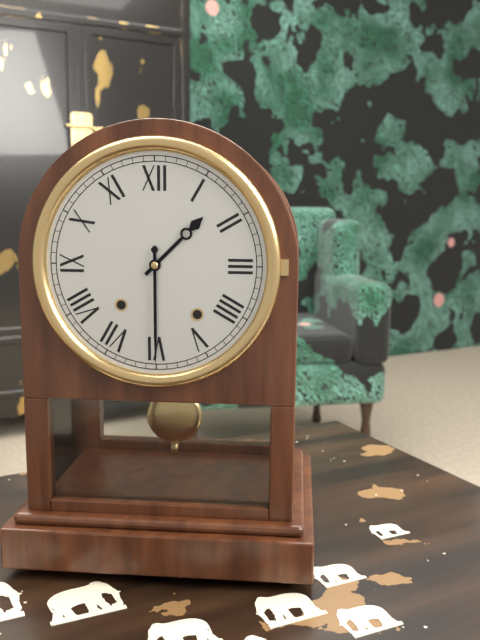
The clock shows h=1 m=30
